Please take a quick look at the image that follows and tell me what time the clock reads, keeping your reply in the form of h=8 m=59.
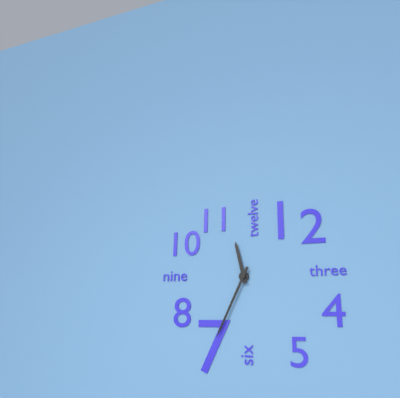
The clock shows h=11 m=34
